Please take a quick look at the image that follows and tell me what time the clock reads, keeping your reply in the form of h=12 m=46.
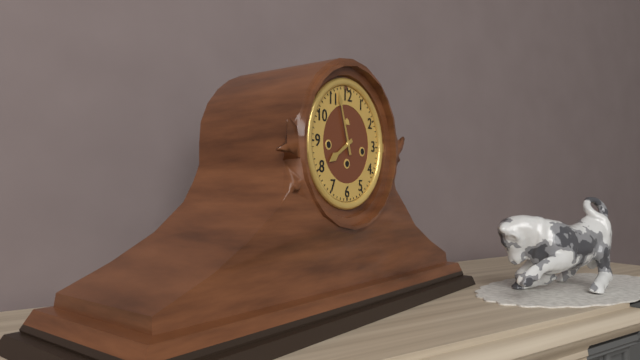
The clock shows h=7 m=57
